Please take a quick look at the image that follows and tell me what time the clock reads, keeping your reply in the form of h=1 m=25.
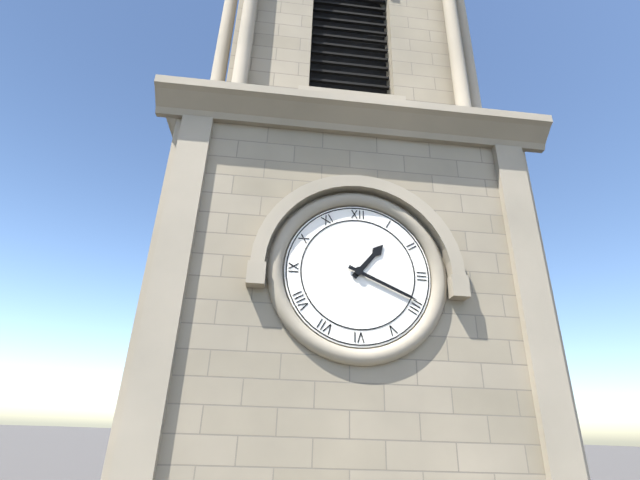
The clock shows h=1 m=19
